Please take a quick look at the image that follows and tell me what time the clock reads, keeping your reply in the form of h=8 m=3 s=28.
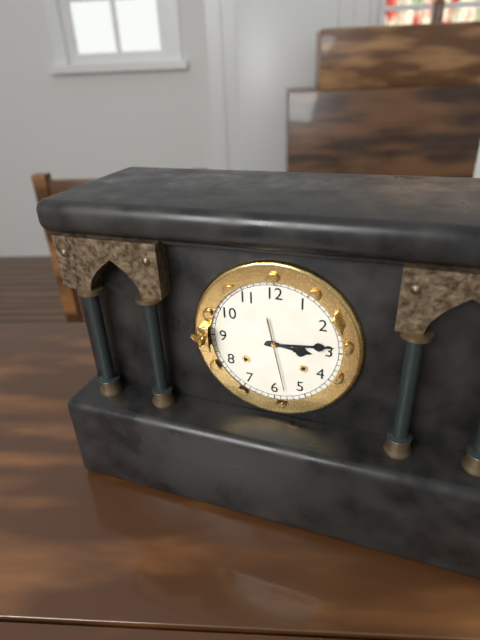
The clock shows h=3 m=14 s=28
